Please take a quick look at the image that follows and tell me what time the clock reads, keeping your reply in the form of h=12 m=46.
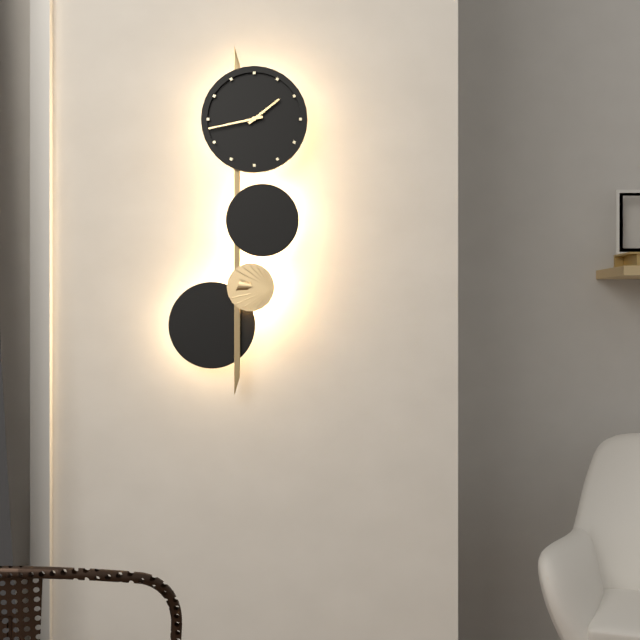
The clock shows h=1 m=43
